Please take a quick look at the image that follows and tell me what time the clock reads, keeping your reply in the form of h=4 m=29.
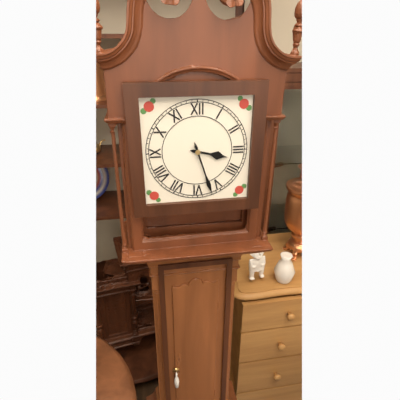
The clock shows h=3 m=27
